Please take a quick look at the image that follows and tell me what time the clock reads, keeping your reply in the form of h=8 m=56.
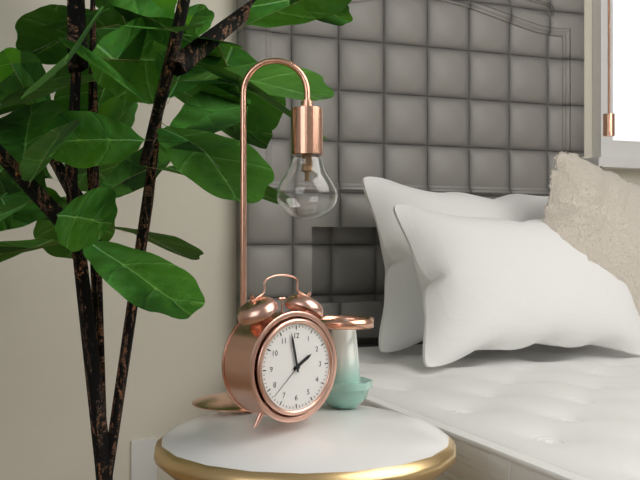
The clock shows h=1 m=58
